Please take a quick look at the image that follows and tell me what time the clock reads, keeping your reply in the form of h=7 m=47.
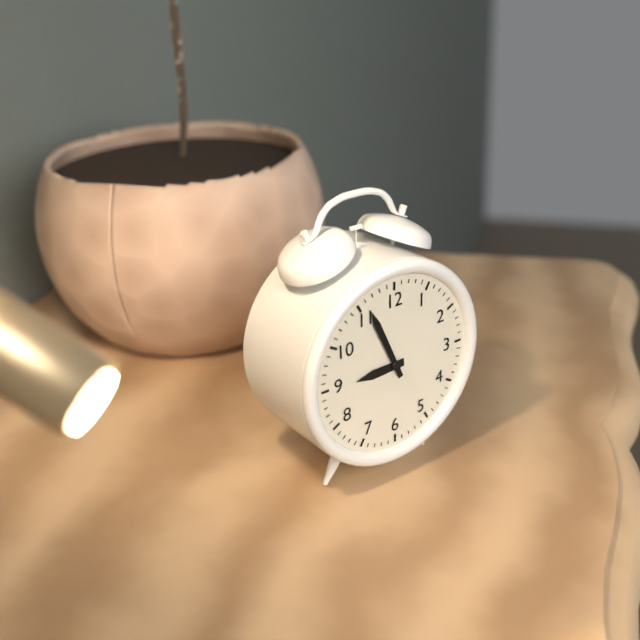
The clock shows h=8 m=56
